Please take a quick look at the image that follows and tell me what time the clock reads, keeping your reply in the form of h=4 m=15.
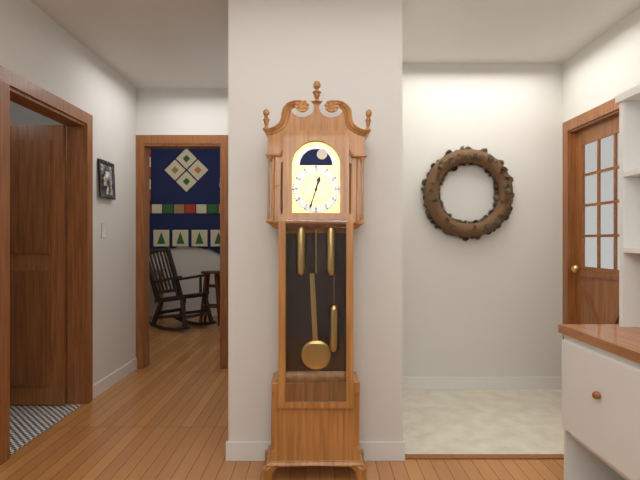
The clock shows h=12 m=33
